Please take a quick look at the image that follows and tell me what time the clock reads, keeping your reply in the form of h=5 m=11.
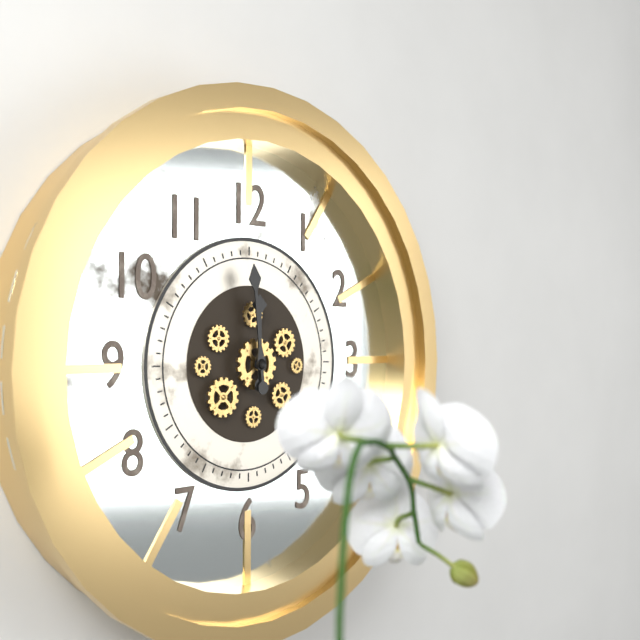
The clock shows h=11 m=59
